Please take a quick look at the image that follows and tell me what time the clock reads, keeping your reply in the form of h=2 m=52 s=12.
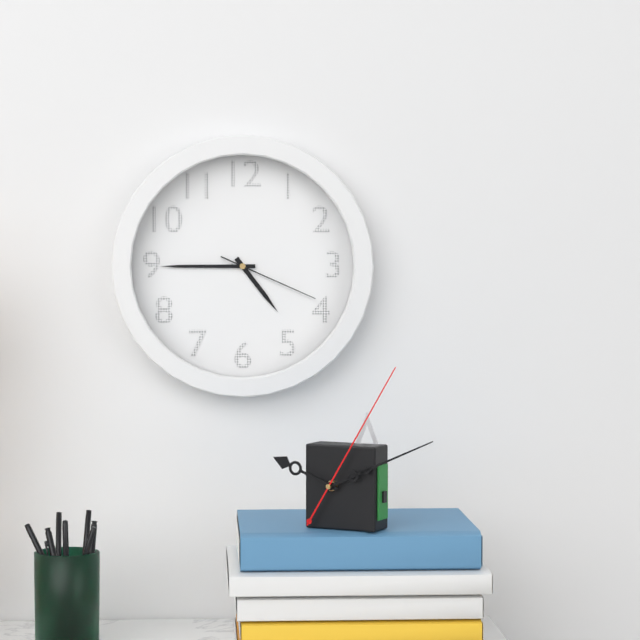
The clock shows h=4 m=45 s=19
